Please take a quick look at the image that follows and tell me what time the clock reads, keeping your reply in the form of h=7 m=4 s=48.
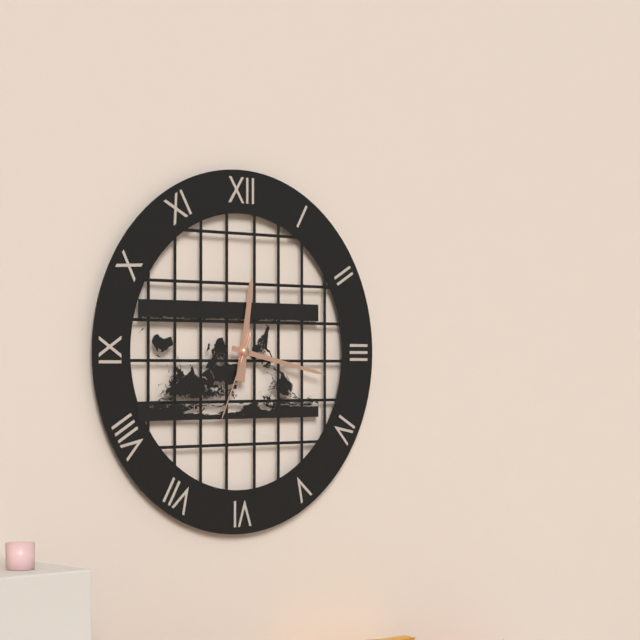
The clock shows h=12 m=17 s=34
